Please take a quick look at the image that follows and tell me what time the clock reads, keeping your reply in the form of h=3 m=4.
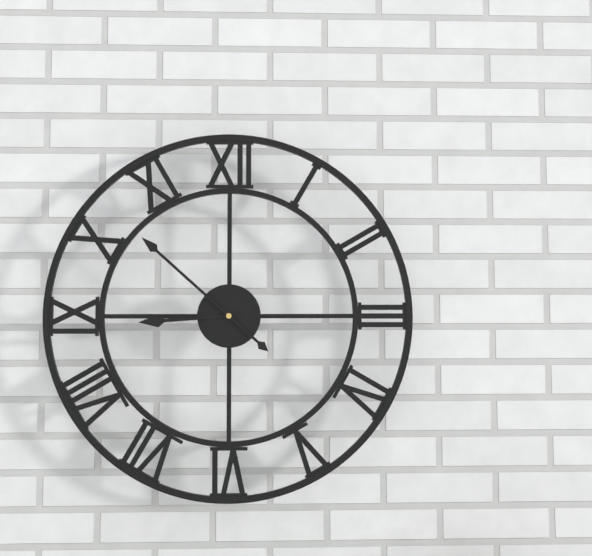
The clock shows h=8 m=52
